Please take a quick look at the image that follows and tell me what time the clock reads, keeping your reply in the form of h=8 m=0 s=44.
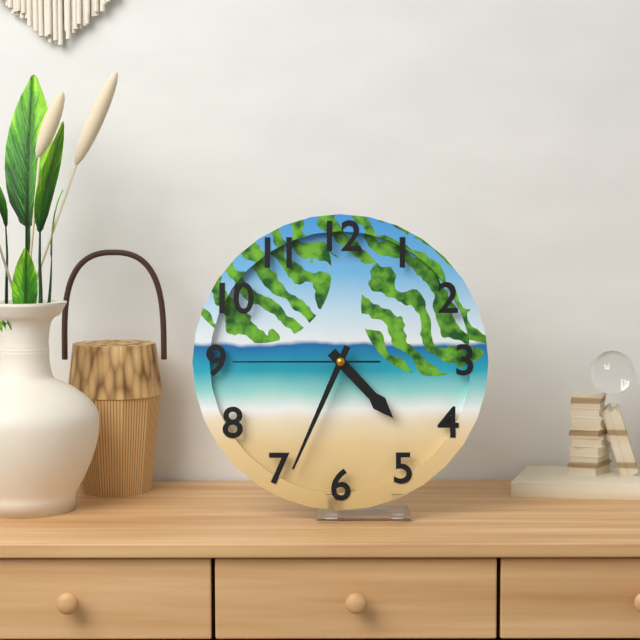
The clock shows h=4 m=34 s=45
